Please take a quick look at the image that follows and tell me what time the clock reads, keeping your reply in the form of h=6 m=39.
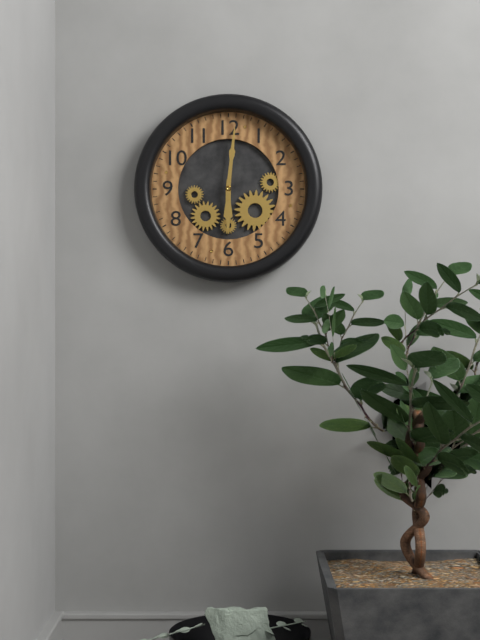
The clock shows h=6 m=1
